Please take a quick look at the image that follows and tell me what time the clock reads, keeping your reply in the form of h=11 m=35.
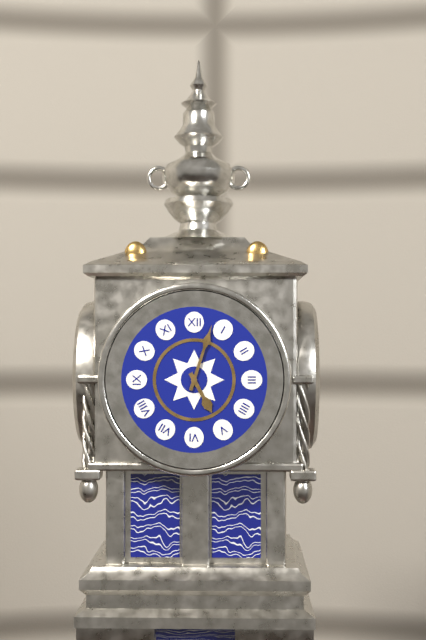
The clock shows h=5 m=3
